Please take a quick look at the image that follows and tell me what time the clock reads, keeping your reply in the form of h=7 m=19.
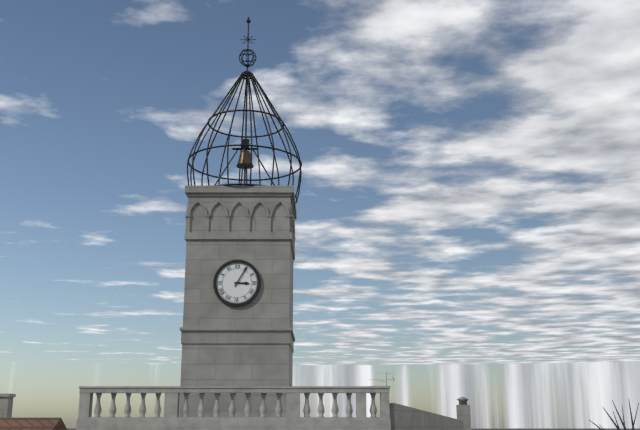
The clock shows h=3 m=5
